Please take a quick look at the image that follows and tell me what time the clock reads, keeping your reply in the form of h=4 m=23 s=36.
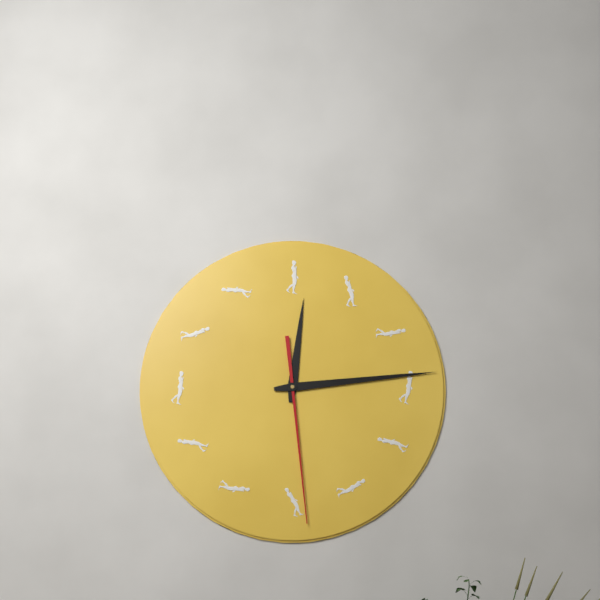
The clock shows h=12 m=14 s=29
